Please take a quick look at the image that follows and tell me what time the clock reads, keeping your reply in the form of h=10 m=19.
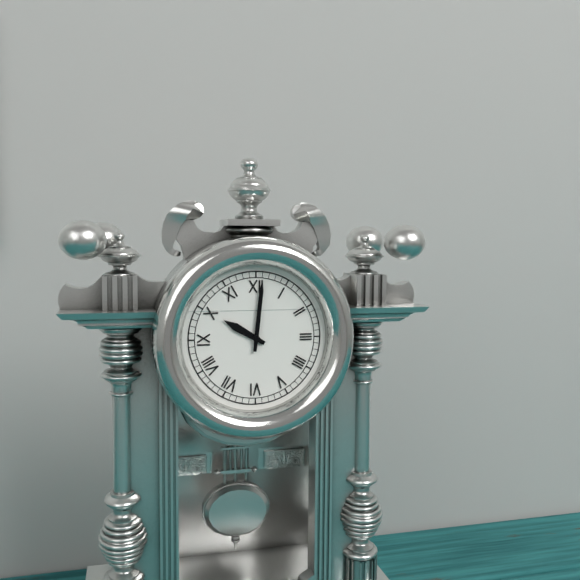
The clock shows h=10 m=1
